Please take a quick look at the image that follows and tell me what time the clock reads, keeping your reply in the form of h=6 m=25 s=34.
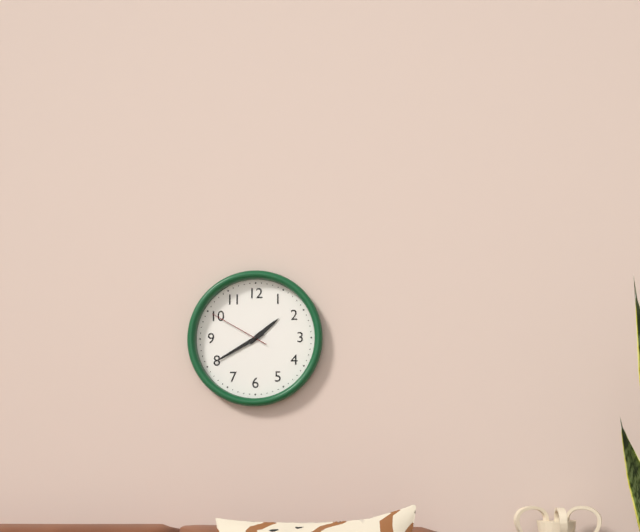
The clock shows h=1 m=40 s=50
